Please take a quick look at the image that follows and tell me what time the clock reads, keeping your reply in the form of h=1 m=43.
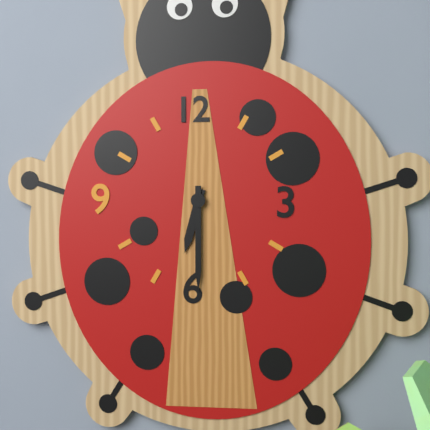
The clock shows h=6 m=30
